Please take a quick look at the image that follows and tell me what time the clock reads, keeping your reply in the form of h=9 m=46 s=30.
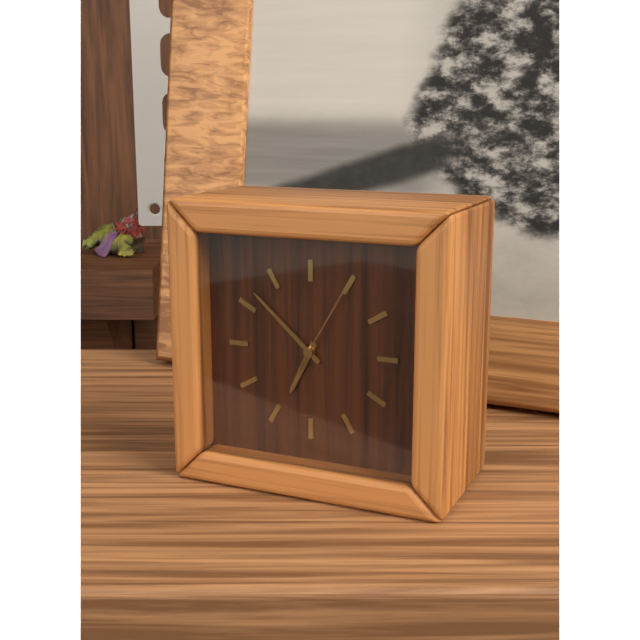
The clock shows h=6 m=52 s=5
